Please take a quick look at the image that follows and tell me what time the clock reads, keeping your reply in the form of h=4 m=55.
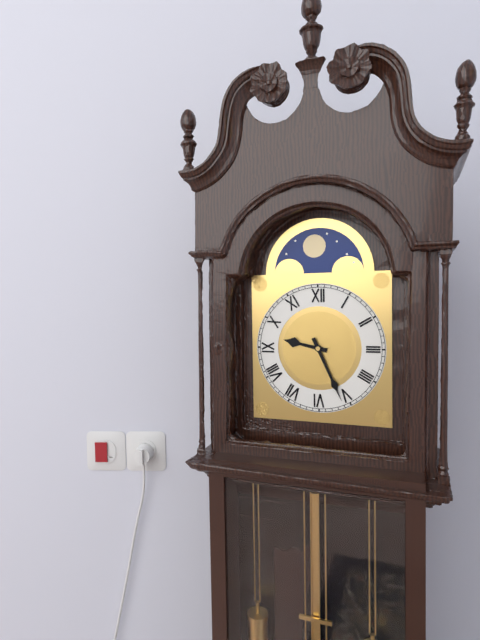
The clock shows h=9 m=26
